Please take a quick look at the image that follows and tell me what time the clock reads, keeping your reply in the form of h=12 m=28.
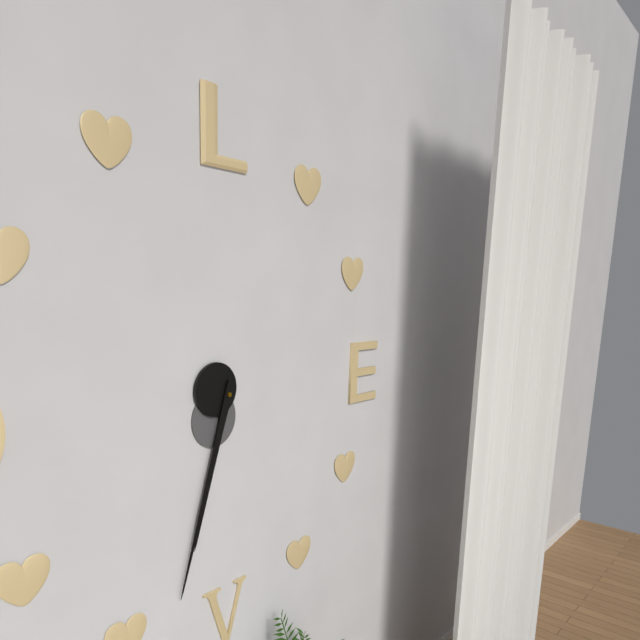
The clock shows h=6 m=33
